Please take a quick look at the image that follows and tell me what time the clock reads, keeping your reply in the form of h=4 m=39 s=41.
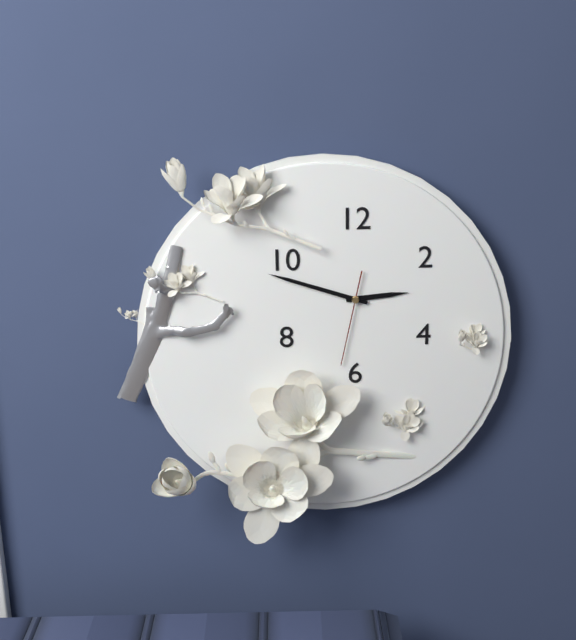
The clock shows h=2 m=48 s=32
